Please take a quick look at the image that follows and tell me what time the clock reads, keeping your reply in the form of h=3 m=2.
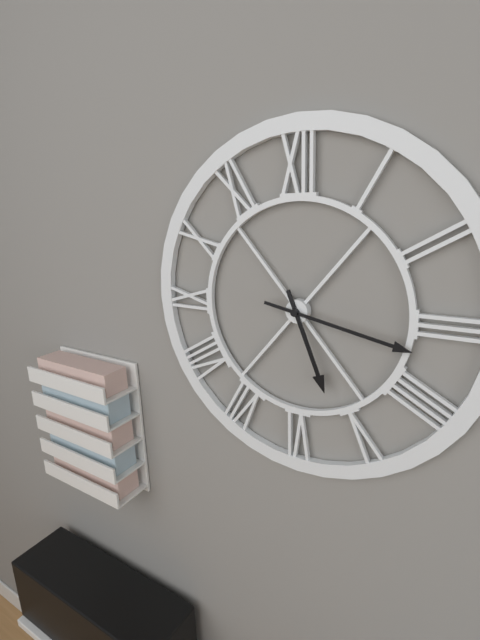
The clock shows h=5 m=17
